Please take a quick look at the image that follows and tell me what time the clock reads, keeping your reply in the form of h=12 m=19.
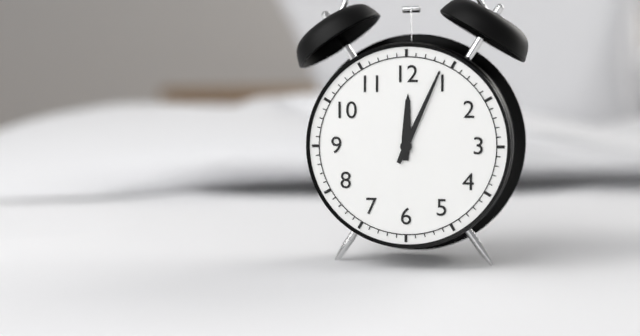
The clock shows h=12 m=4
